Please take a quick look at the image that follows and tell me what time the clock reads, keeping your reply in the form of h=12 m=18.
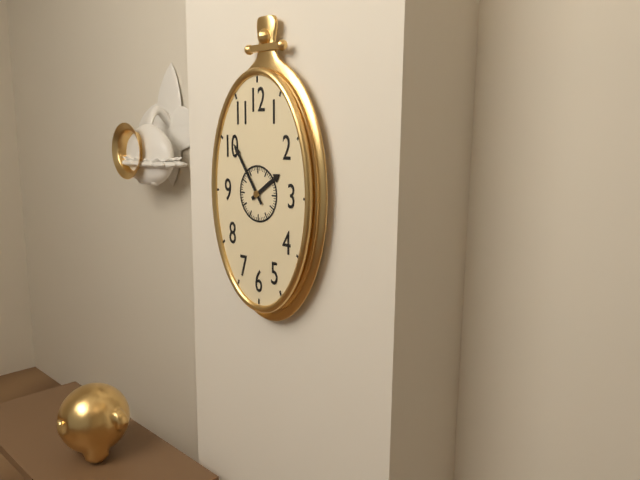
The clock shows h=1 m=54
